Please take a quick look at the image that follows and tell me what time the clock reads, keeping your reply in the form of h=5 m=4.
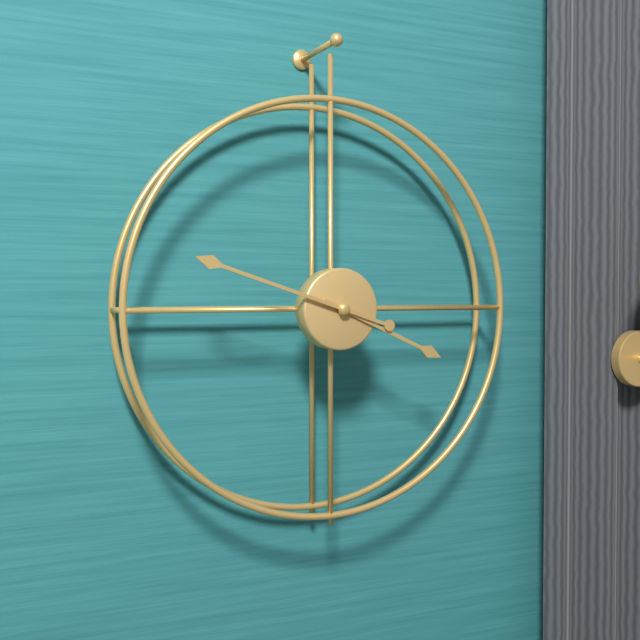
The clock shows h=3 m=48
